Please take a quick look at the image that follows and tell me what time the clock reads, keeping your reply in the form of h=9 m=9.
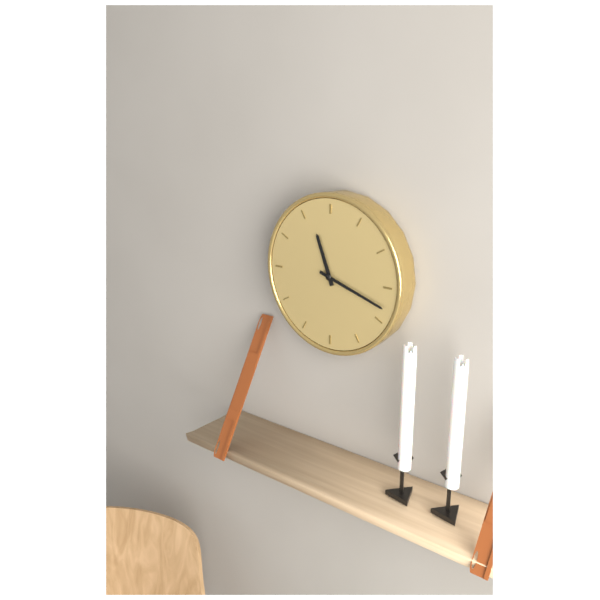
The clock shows h=11 m=18
